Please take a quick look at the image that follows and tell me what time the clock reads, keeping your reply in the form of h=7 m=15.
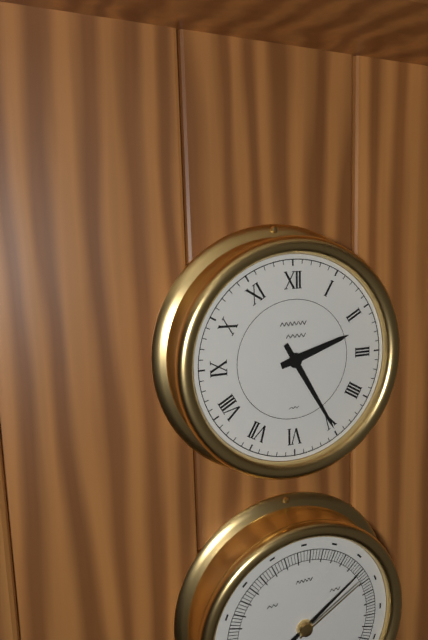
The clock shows h=2 m=25
